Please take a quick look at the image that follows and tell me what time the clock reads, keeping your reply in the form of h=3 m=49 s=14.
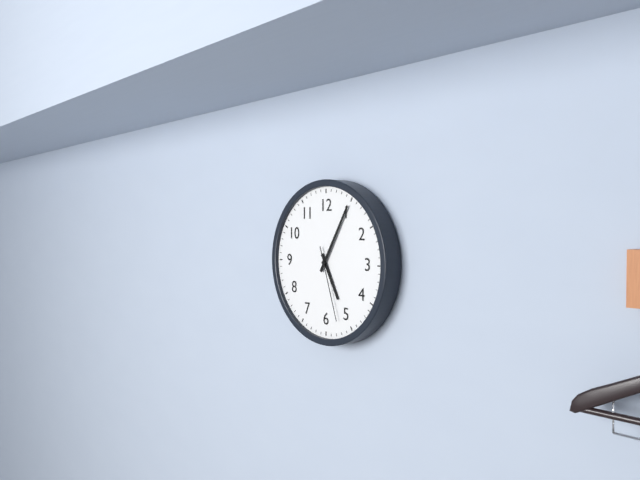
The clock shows h=5 m=5 s=27
